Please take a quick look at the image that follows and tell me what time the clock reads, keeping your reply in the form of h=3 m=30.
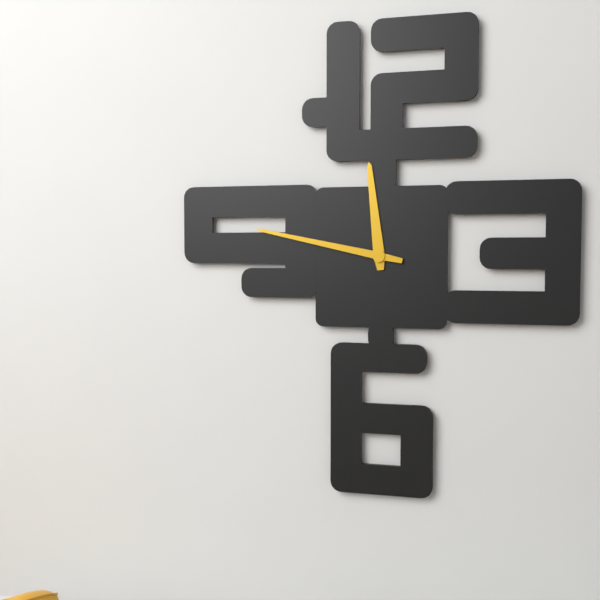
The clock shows h=11 m=47
